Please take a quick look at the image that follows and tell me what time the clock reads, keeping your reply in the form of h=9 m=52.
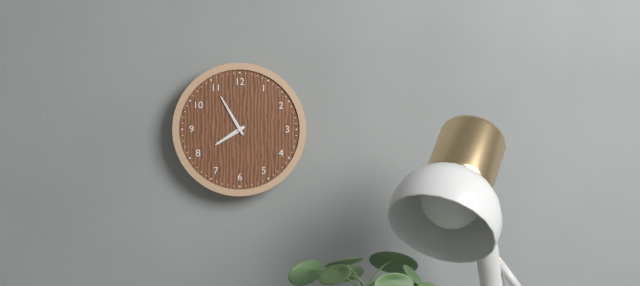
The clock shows h=7 m=55
